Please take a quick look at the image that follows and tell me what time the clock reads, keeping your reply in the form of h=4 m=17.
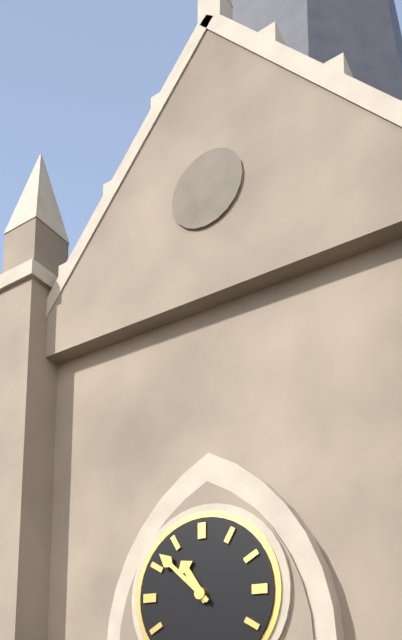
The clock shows h=10 m=52
